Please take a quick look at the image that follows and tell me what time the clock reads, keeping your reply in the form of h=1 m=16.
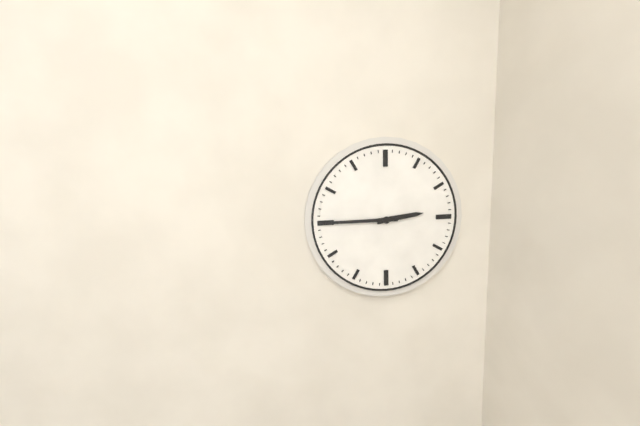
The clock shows h=2 m=45
